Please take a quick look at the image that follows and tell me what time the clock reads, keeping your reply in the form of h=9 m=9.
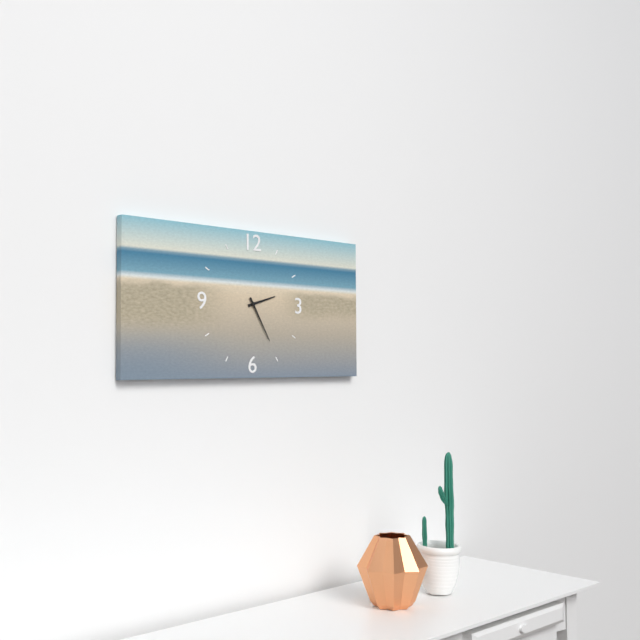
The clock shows h=2 m=25
